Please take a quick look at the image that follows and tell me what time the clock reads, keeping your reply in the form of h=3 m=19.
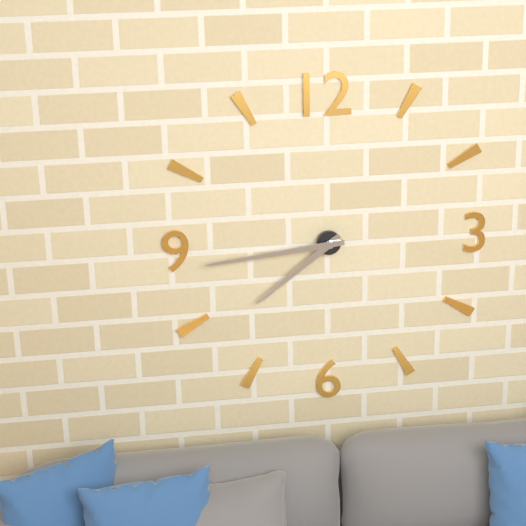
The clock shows h=7 m=44
